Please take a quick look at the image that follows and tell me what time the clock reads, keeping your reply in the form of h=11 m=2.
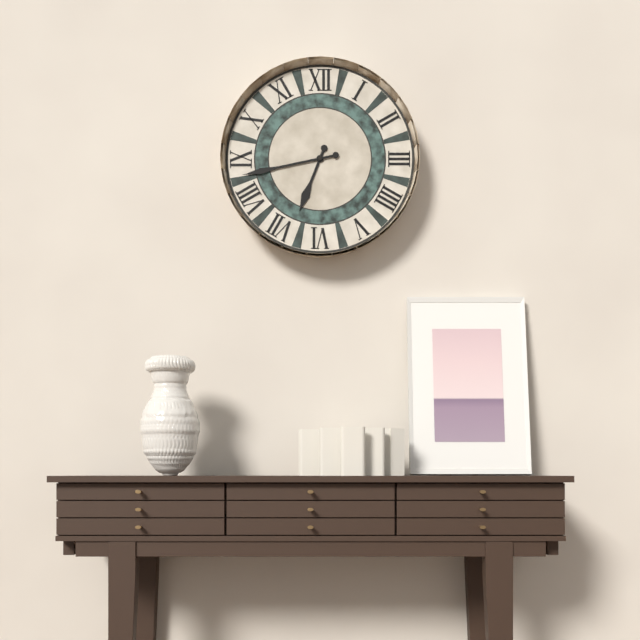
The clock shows h=6 m=43
